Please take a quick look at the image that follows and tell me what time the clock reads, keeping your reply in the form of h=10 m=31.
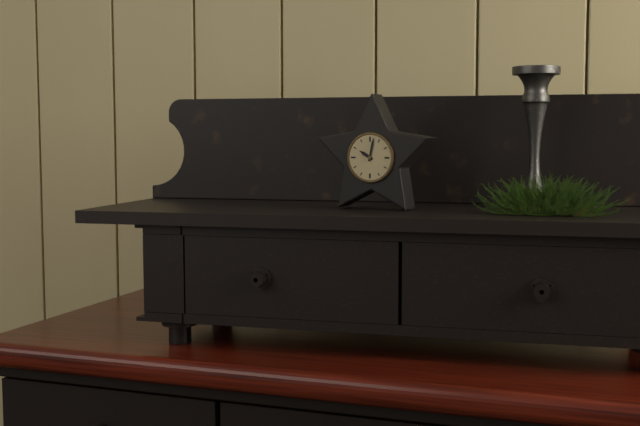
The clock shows h=10 m=2
